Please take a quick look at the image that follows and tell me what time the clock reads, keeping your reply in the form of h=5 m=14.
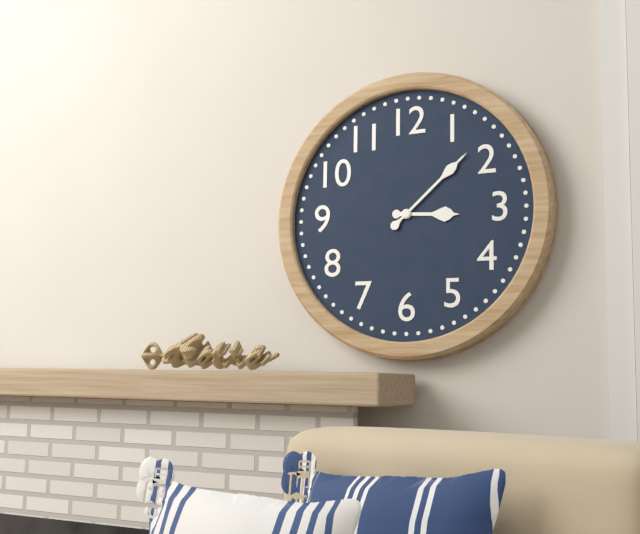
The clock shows h=3 m=8
